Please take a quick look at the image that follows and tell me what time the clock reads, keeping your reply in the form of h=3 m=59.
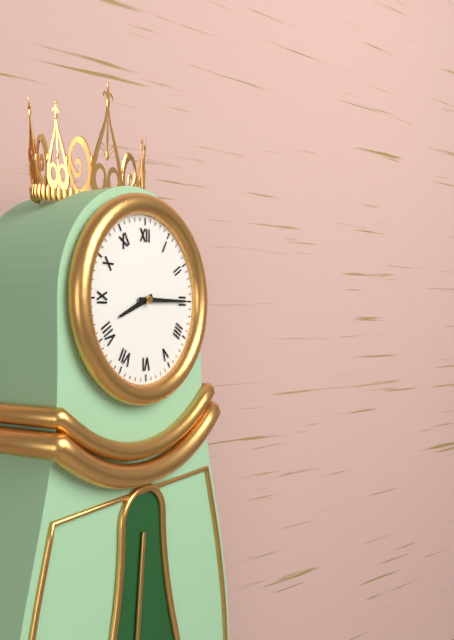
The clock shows h=8 m=15
